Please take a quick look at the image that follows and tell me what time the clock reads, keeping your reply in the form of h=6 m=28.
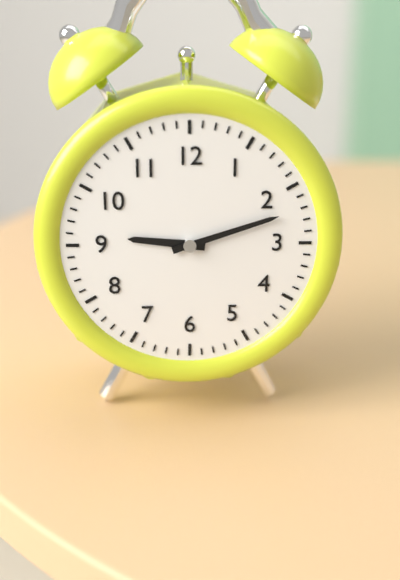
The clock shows h=9 m=12
